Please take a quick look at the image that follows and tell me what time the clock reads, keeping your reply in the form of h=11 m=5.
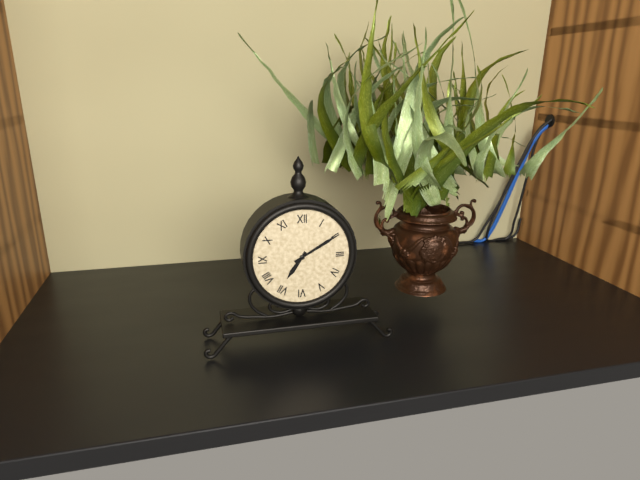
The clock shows h=7 m=10
